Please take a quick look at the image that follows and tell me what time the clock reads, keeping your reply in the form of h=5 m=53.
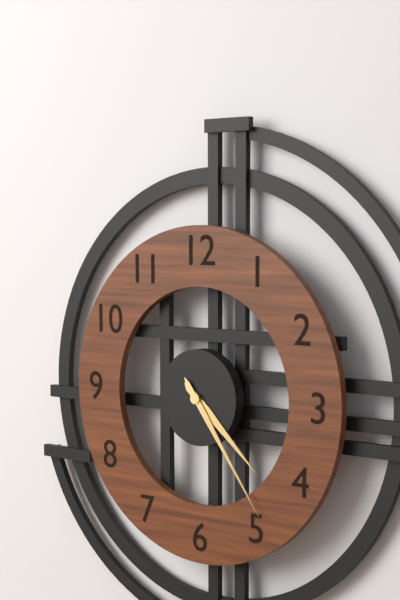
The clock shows h=4 m=24
